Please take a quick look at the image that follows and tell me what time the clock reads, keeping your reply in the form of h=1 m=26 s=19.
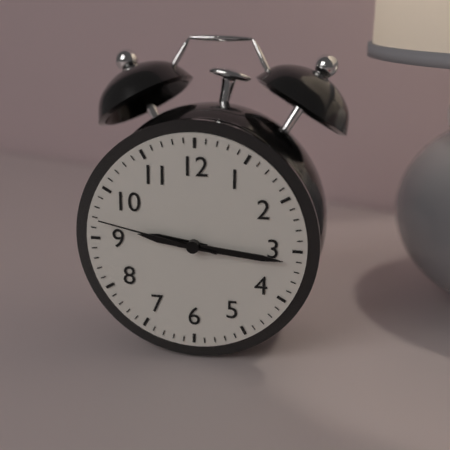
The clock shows h=9 m=16 s=47
